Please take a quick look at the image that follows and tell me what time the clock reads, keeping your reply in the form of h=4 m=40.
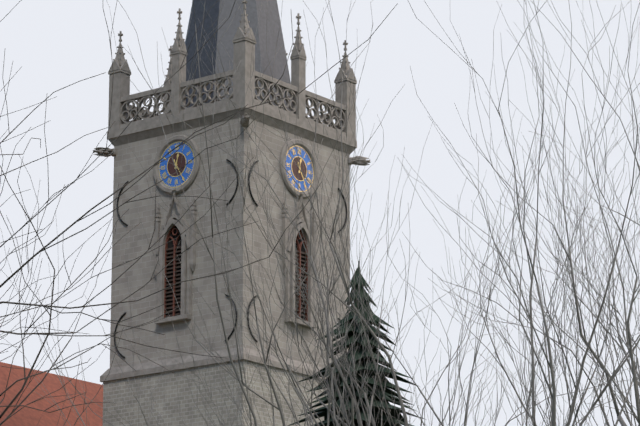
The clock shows h=12 m=25
